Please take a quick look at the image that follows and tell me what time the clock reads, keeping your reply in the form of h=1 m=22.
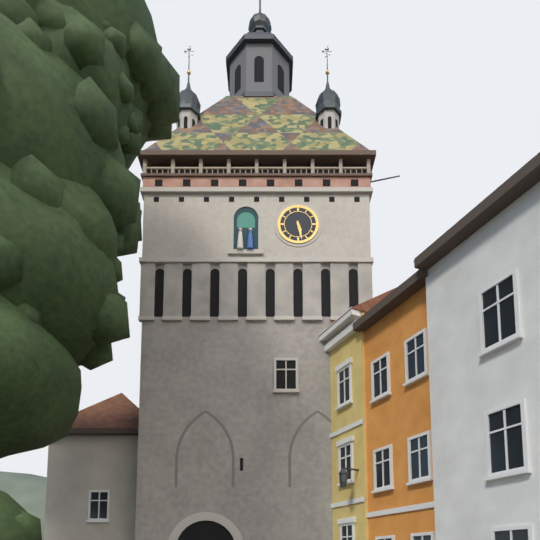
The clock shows h=5 m=28
